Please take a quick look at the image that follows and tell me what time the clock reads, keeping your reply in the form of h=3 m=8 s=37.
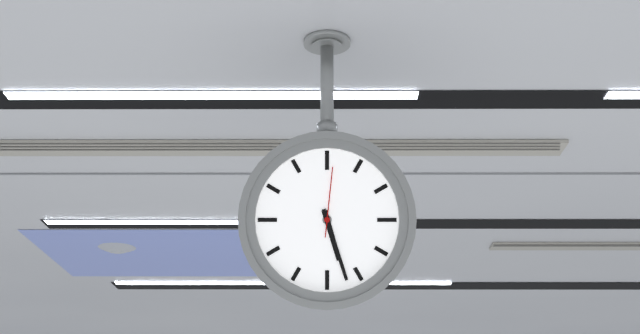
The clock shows h=5 m=27 s=1
